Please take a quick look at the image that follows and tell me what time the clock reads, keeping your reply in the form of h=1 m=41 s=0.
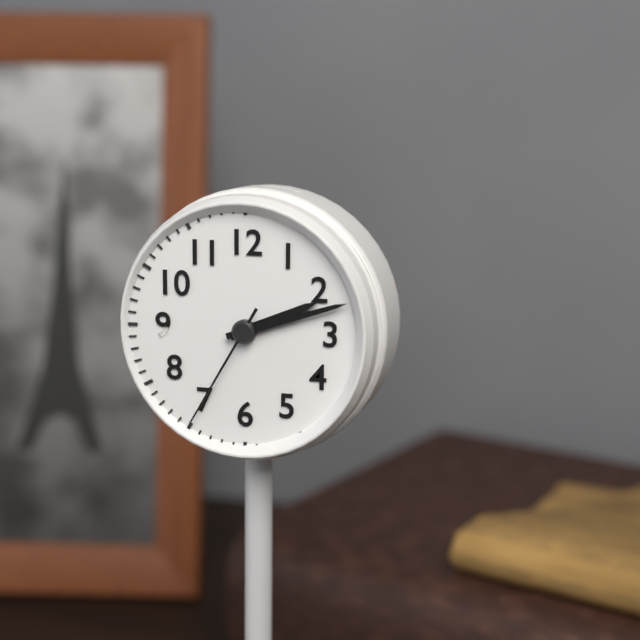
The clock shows h=2 m=12 s=35
